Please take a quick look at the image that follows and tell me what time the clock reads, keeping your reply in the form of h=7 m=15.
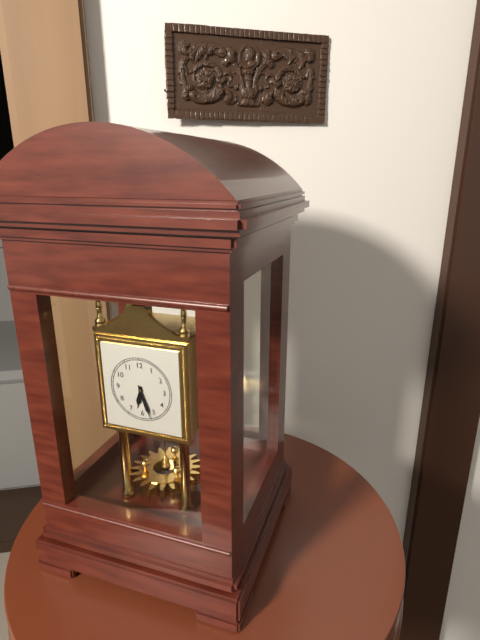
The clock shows h=6 m=27
